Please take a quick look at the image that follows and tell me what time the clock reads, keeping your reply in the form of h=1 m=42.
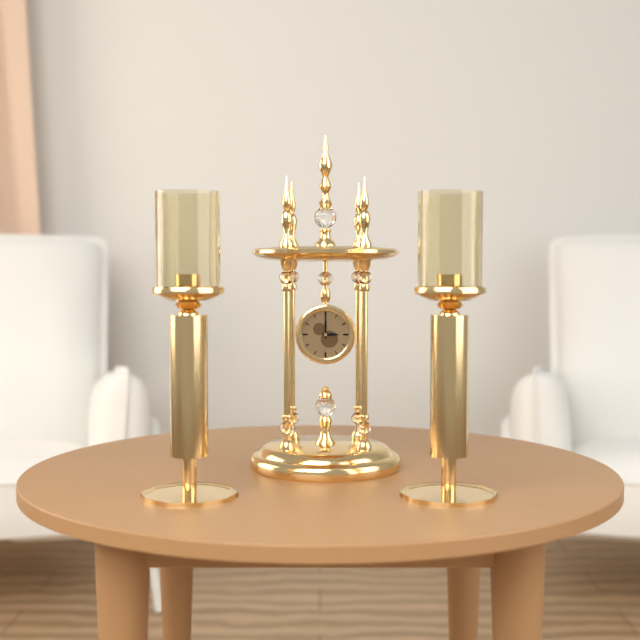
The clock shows h=3 m=0
